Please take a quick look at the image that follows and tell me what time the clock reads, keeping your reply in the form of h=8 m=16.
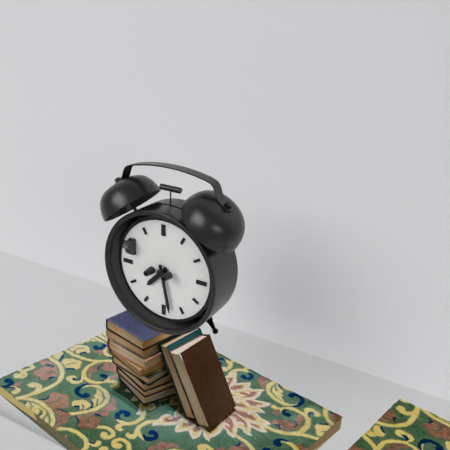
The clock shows h=7 m=28
